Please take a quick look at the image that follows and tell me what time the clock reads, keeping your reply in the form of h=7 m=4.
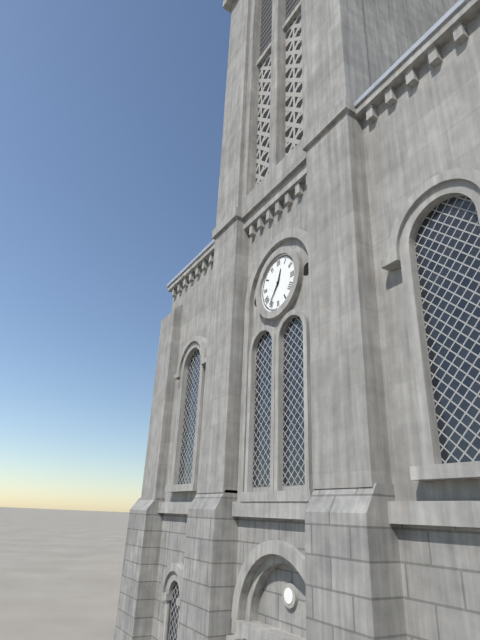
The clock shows h=12 m=36
